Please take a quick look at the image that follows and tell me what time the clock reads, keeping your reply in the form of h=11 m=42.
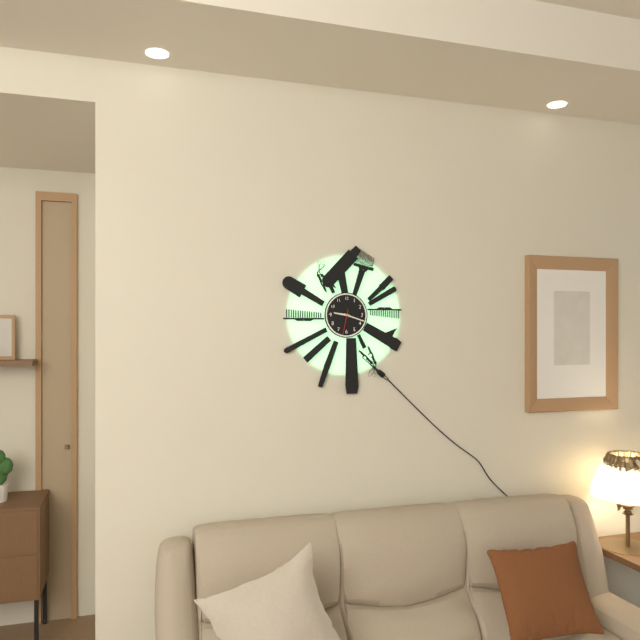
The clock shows h=9 m=18
